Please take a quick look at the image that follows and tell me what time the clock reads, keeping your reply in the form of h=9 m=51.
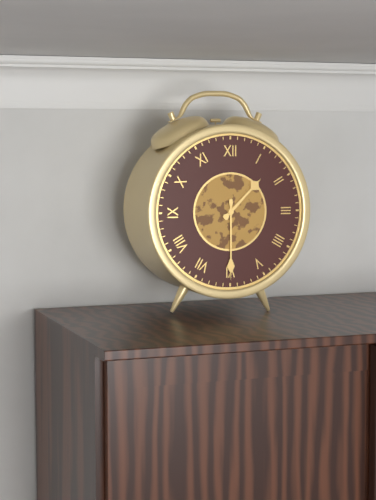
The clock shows h=1 m=30
